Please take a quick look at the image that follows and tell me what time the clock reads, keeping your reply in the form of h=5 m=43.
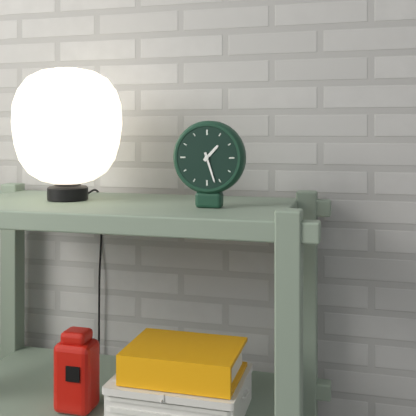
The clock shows h=1 m=27
